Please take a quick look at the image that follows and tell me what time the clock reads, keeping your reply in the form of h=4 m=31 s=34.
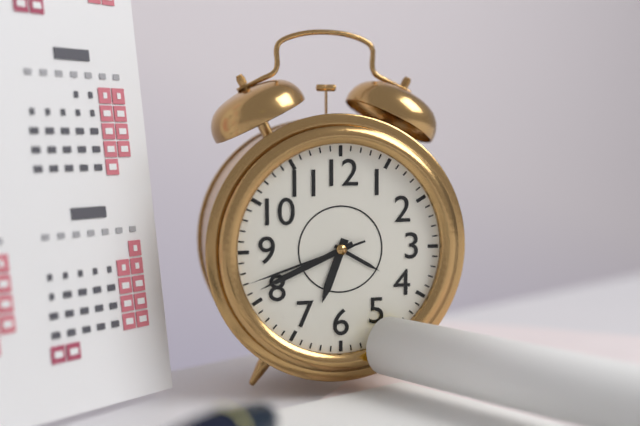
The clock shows h=6 m=41 s=42
